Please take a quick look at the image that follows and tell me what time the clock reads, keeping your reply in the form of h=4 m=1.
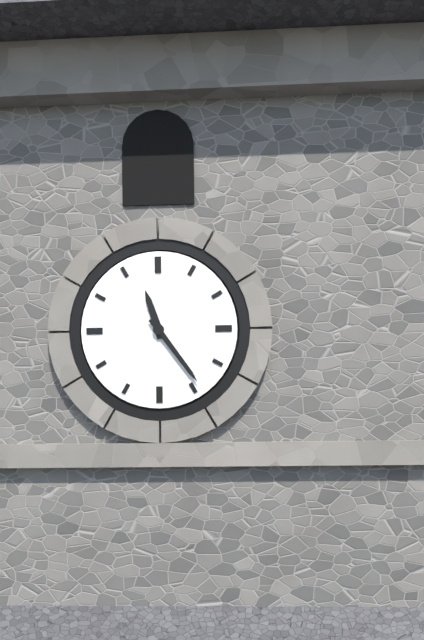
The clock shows h=11 m=24
